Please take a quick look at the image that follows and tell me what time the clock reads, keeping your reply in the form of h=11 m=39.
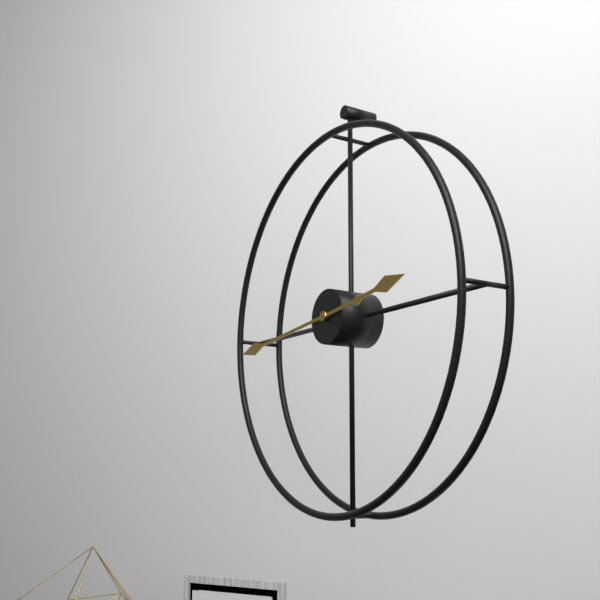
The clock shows h=2 m=44
